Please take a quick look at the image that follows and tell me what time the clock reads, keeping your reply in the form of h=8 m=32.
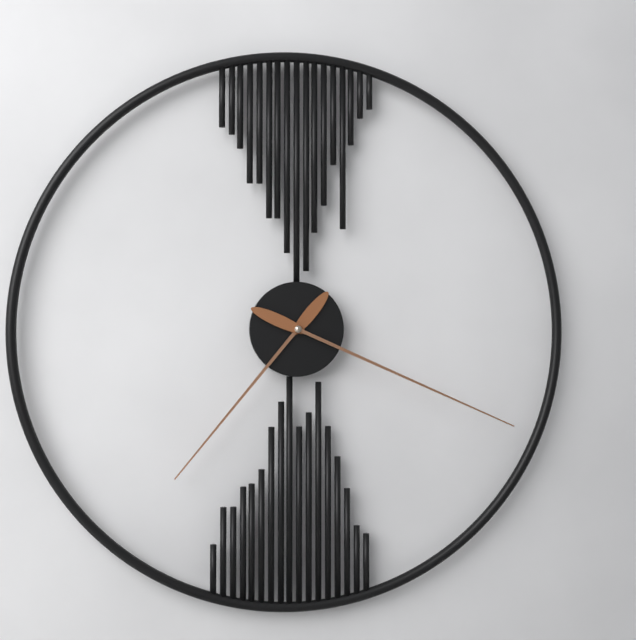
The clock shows h=7 m=19
